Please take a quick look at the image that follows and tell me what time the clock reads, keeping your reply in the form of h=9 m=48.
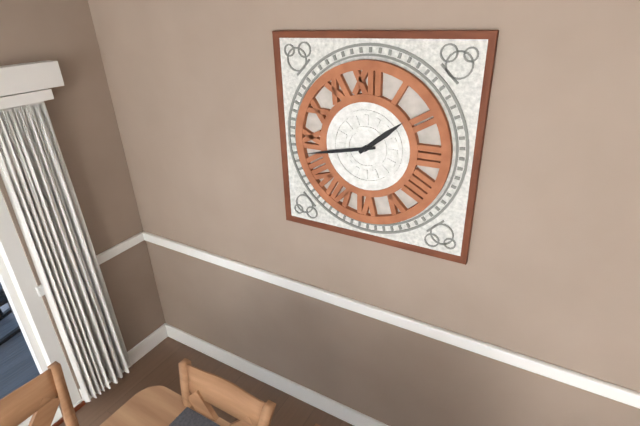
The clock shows h=1 m=43
